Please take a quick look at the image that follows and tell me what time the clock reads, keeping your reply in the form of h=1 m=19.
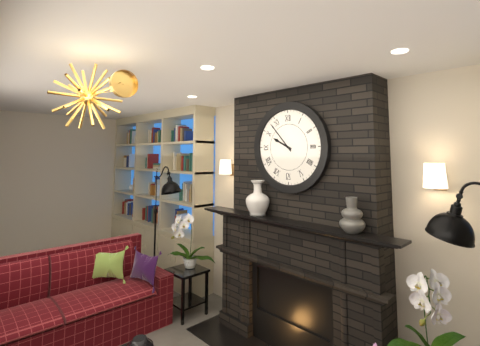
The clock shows h=9 m=53
